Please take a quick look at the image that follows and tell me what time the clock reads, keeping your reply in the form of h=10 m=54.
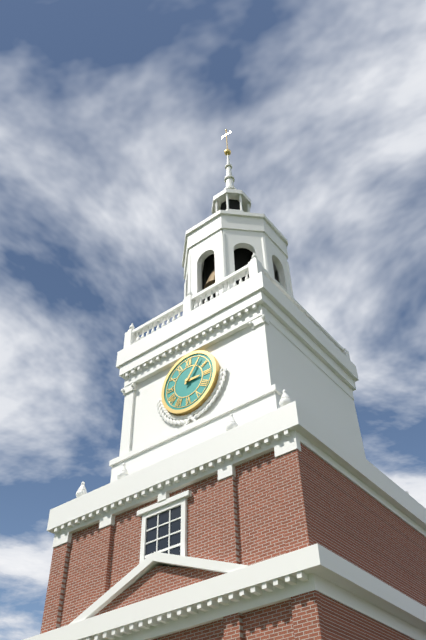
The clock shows h=3 m=6
